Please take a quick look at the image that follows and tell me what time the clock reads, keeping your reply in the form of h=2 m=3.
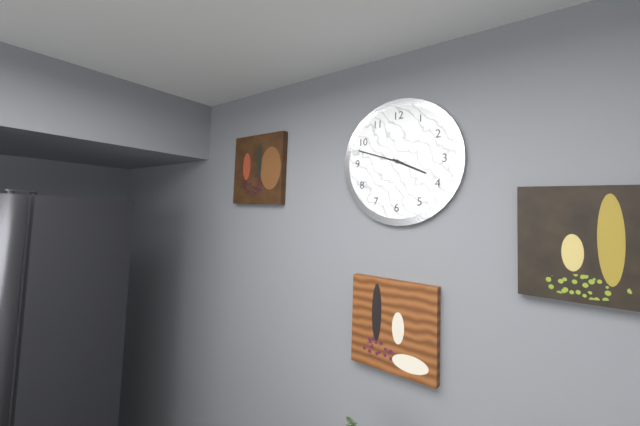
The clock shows h=3 m=48
